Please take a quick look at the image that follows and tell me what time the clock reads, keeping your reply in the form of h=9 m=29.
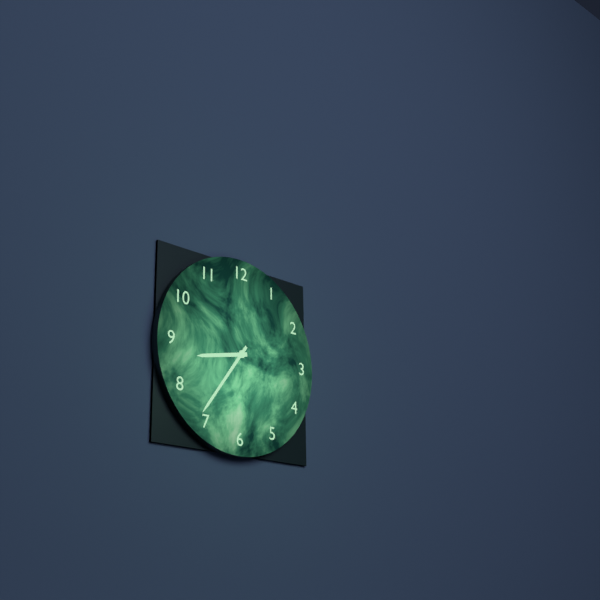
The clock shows h=8 m=36
